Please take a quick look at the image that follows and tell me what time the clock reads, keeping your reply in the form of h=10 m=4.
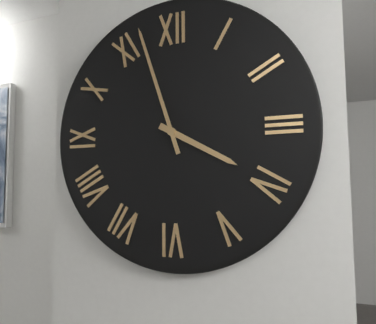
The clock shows h=3 m=57
